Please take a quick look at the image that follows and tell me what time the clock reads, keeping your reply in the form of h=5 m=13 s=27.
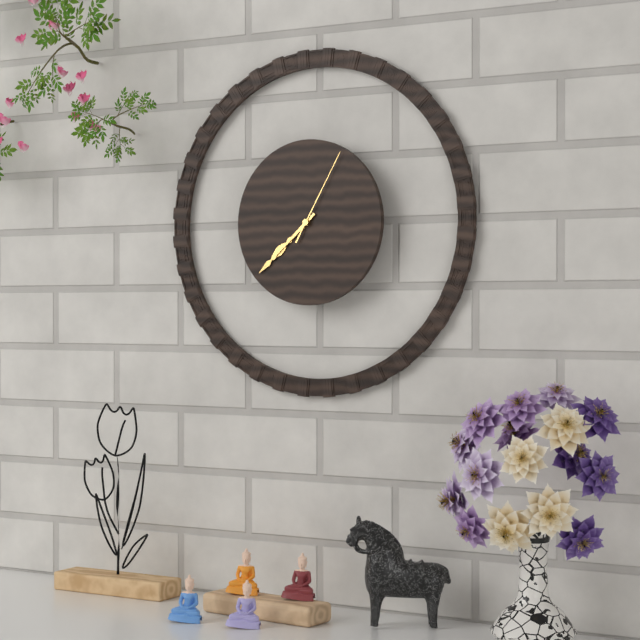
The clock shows h=7 m=38 s=5
